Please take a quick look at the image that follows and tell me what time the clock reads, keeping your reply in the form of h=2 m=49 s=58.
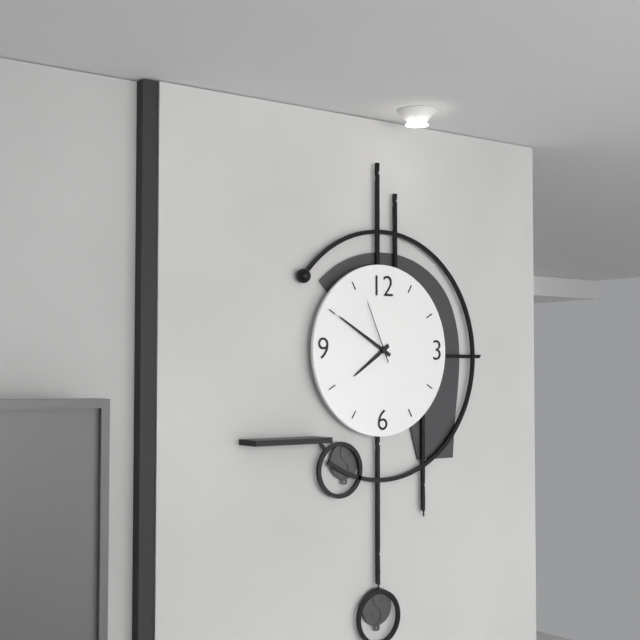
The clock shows h=7 m=50 s=56
